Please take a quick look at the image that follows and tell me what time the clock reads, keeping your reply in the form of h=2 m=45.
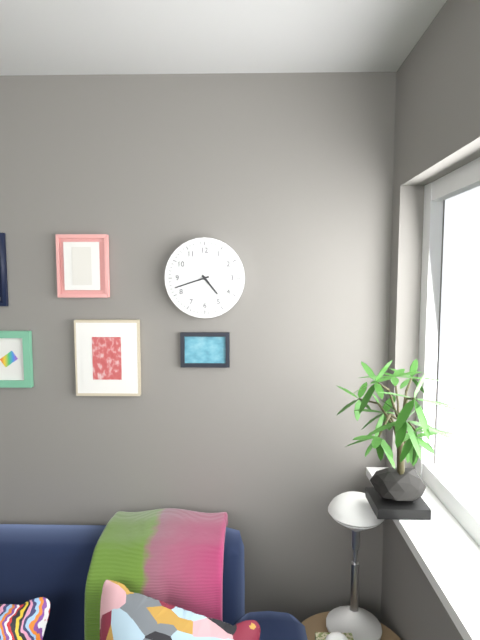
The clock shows h=4 m=42
